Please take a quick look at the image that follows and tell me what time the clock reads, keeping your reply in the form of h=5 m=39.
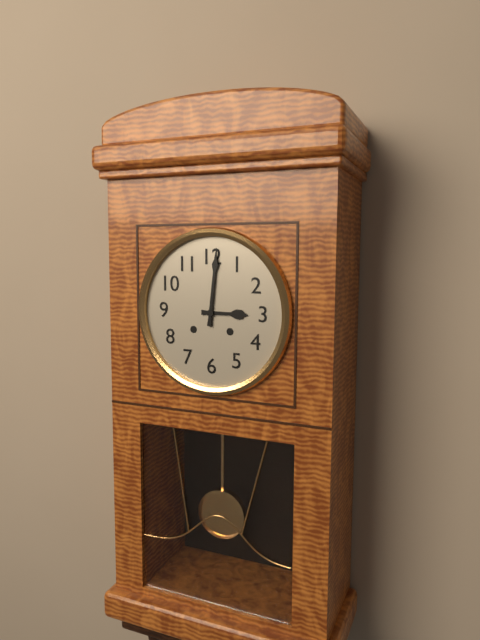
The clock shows h=3 m=1
